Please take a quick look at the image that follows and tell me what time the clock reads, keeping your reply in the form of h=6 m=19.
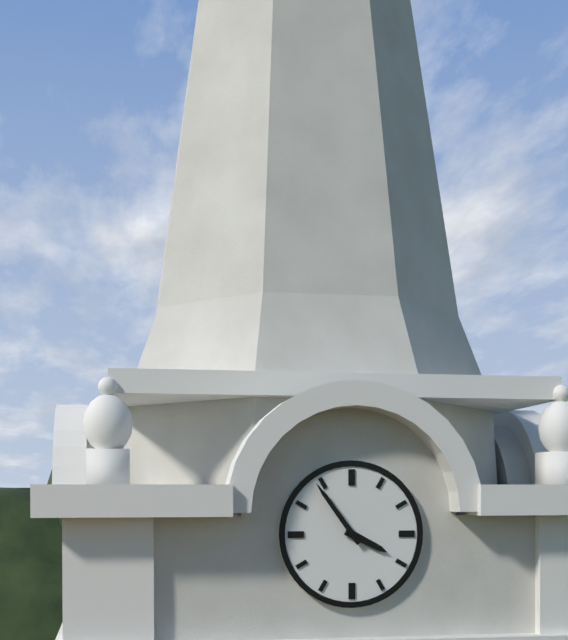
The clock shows h=3 m=54
